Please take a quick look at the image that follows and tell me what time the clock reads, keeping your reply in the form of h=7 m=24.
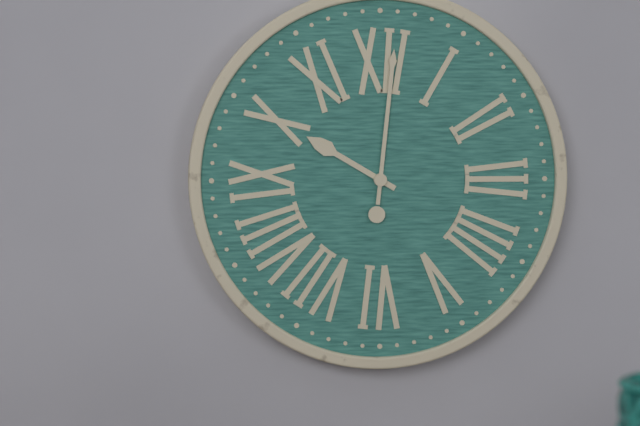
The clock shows h=10 m=1
